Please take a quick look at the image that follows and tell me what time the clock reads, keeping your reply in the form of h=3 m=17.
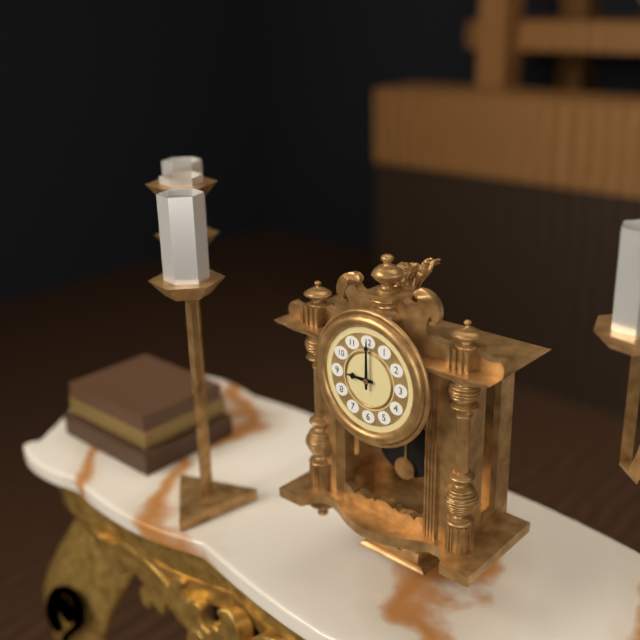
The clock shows h=9 m=0
